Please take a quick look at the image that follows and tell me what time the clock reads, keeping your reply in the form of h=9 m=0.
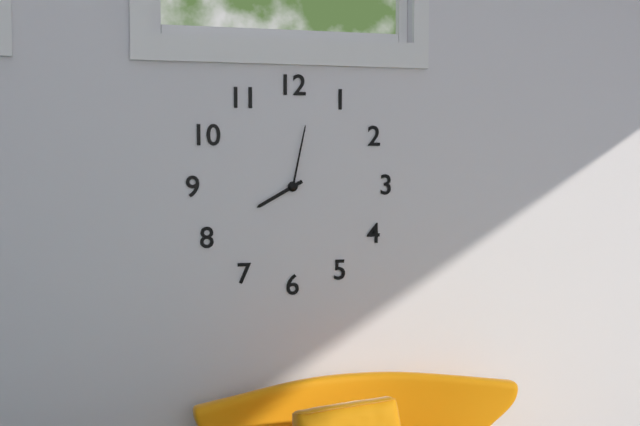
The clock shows h=8 m=2
